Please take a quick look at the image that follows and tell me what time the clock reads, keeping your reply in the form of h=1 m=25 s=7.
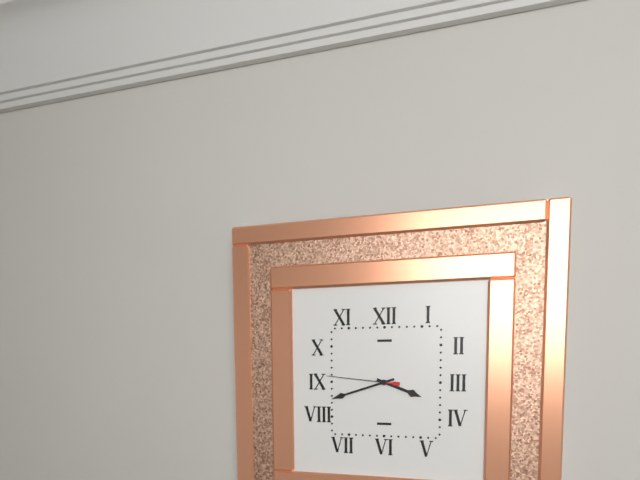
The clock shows h=3 m=42 s=46
